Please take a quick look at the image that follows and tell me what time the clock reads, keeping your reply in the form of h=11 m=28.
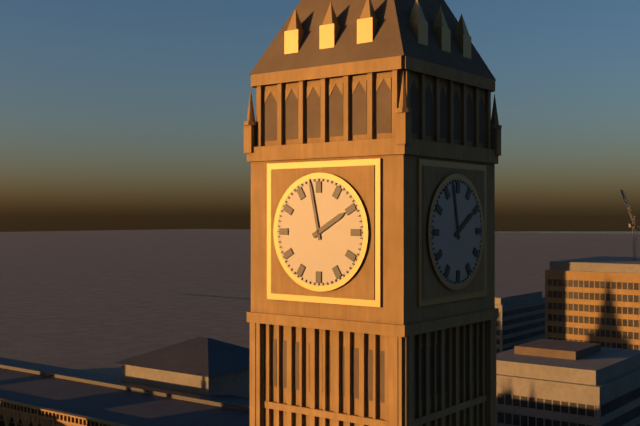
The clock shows h=1 m=58
